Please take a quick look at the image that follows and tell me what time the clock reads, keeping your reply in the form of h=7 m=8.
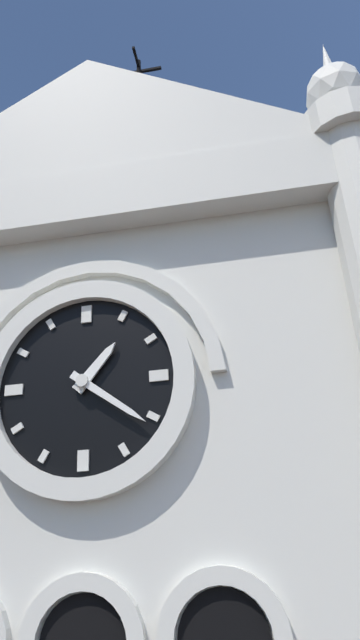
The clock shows h=1 m=21
